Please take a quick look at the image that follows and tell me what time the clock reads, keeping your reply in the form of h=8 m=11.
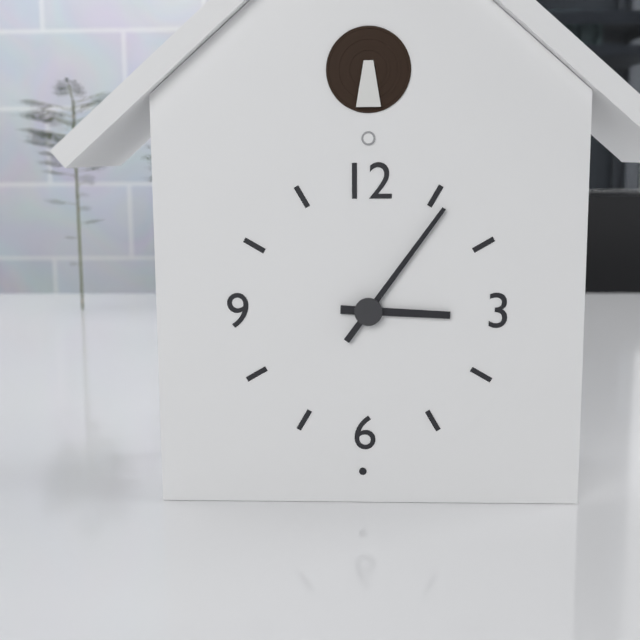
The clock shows h=3 m=6
